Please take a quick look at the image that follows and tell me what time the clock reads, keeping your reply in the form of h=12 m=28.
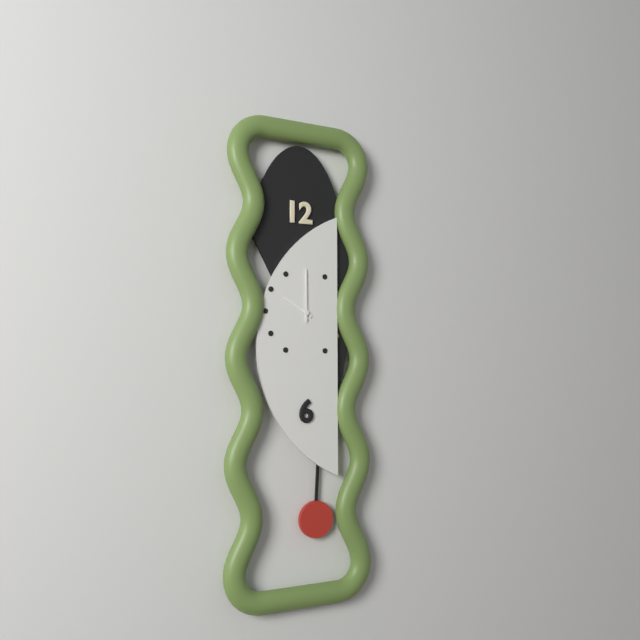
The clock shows h=10 m=0
